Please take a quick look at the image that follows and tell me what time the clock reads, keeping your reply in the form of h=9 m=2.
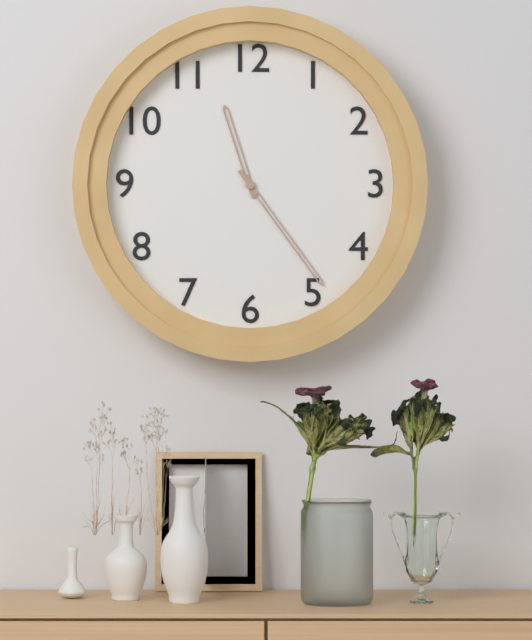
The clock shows h=11 m=24
